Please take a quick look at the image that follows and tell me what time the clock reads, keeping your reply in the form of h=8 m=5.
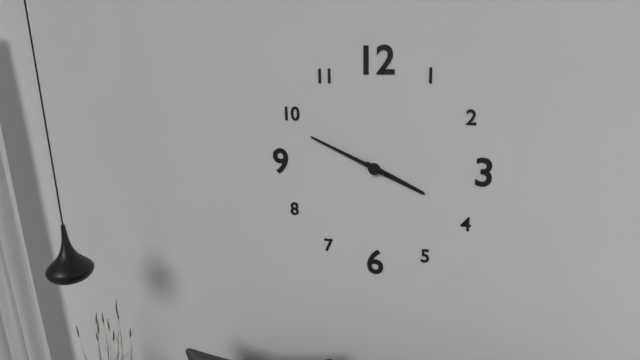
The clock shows h=3 m=49
